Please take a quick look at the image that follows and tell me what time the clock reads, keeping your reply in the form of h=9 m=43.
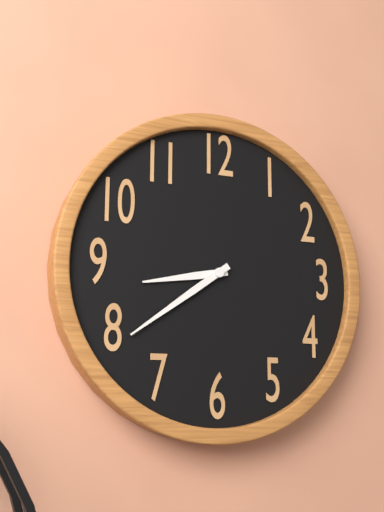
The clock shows h=8 m=39
